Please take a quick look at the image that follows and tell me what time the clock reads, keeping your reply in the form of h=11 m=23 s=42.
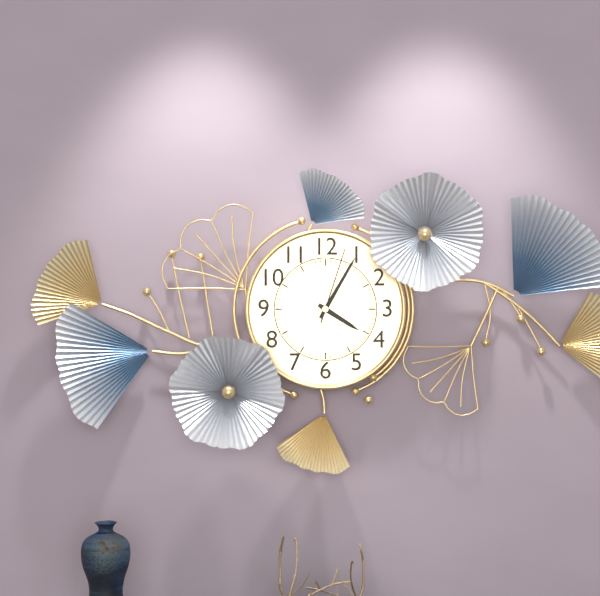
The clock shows h=4 m=5 s=3
